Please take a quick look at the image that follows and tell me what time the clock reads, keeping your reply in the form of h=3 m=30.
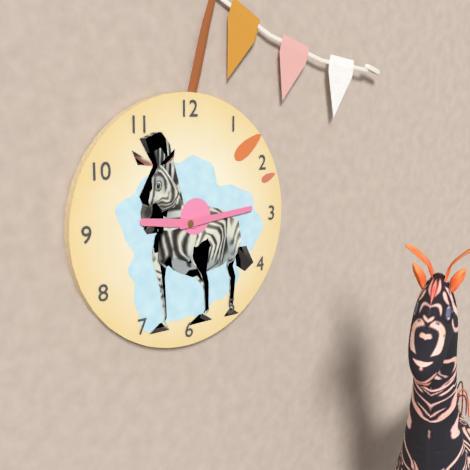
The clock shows h=9 m=14
